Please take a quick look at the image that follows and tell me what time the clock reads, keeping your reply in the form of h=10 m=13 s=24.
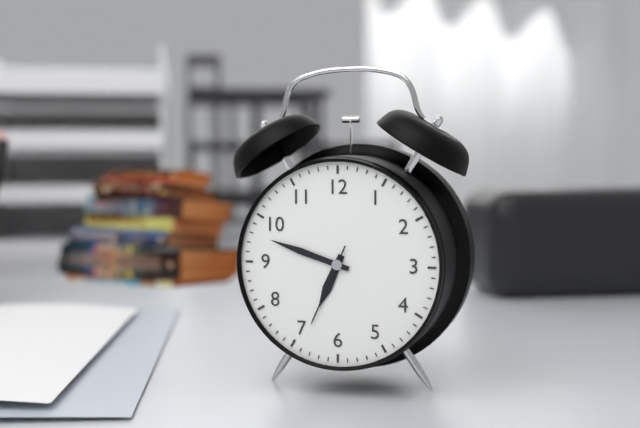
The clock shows h=6 m=48 s=34
